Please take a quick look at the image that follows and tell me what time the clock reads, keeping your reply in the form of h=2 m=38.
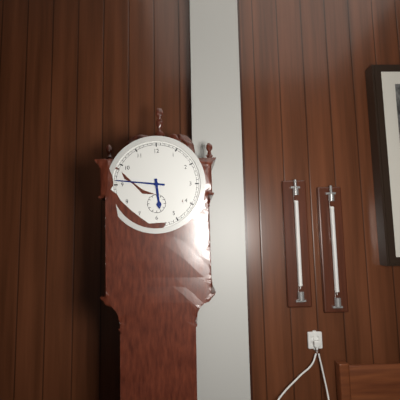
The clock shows h=5 m=46
